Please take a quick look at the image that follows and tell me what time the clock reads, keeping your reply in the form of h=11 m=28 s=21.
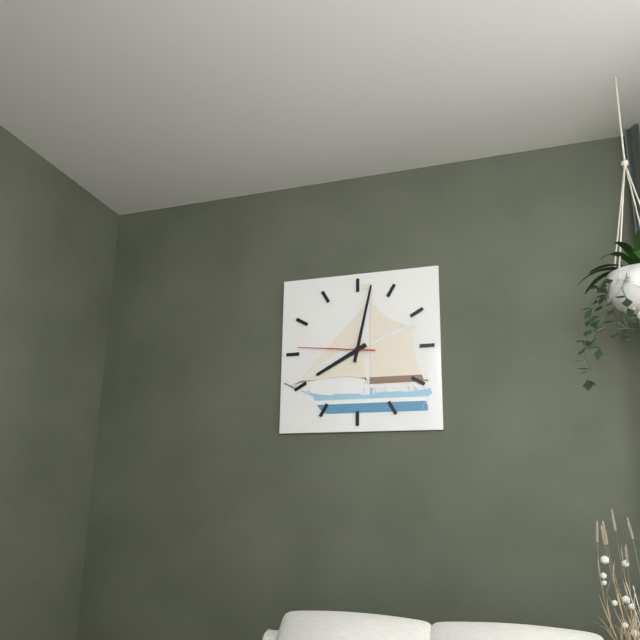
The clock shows h=8 m=2 s=46
